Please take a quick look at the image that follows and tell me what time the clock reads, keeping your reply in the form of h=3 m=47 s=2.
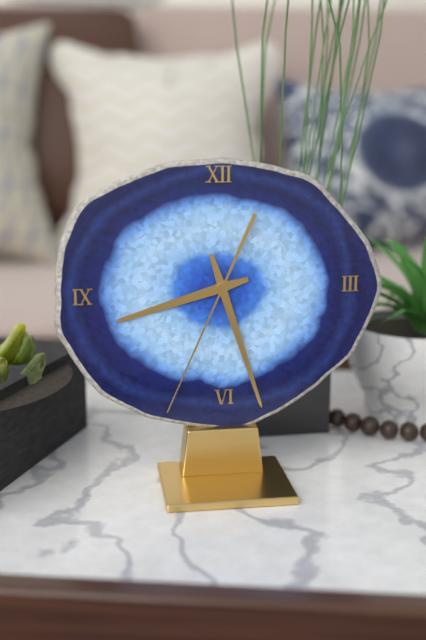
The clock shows h=8 m=27 s=34
